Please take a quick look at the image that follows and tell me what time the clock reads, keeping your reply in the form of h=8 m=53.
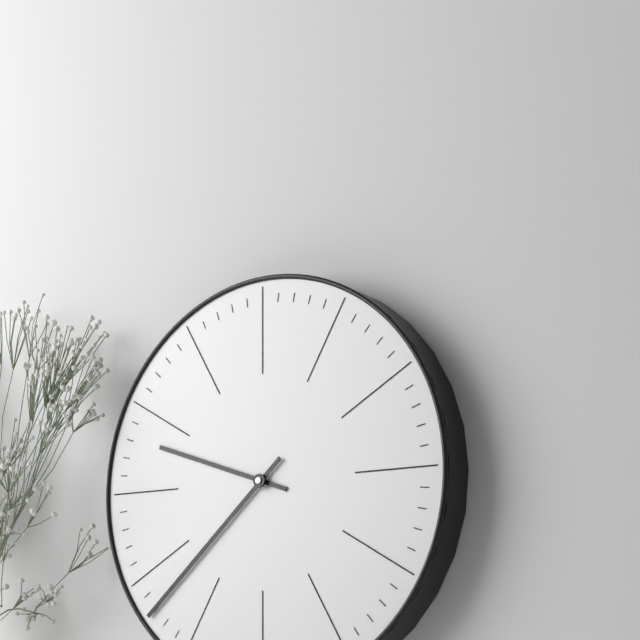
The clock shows h=9 m=38
